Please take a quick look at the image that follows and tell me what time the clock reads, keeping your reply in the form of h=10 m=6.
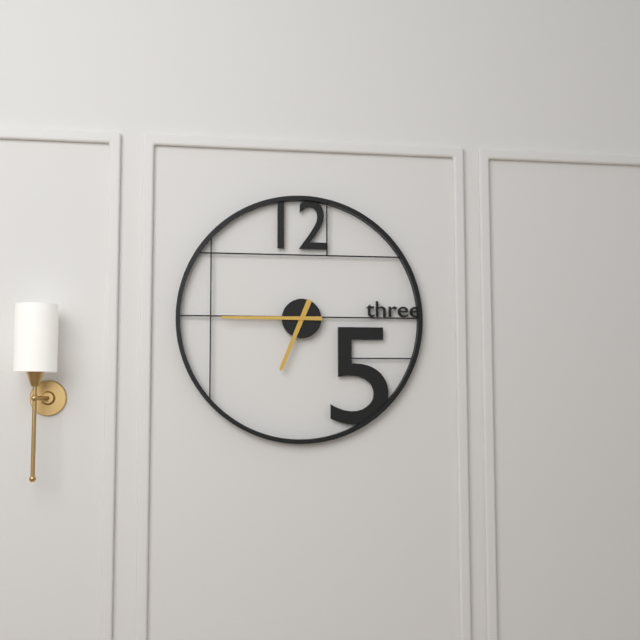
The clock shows h=6 m=45
